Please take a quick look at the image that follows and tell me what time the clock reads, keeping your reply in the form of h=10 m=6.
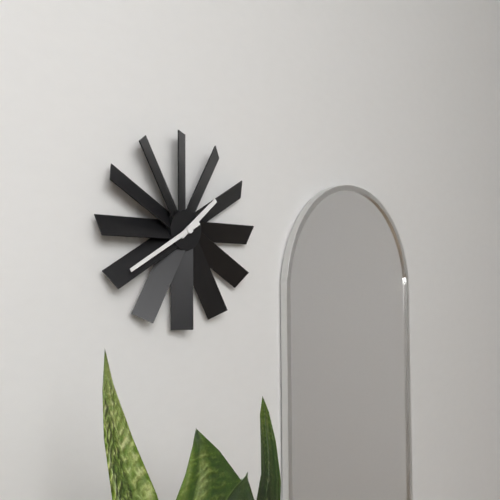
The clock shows h=1 m=40
